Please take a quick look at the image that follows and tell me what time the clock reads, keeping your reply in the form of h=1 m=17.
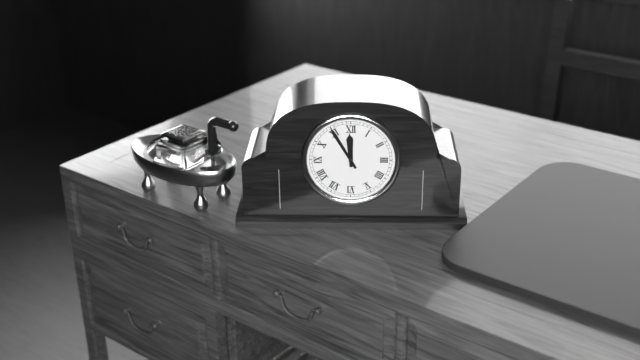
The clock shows h=11 m=55
